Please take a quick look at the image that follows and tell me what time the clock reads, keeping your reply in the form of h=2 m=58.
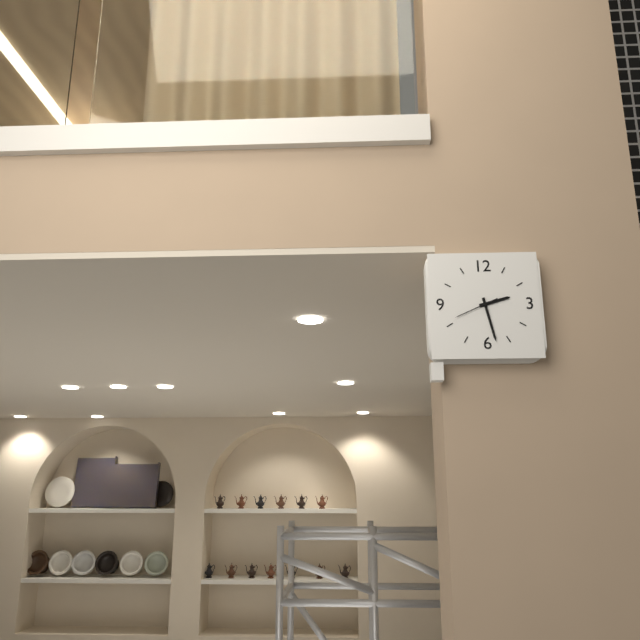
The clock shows h=2 m=28
